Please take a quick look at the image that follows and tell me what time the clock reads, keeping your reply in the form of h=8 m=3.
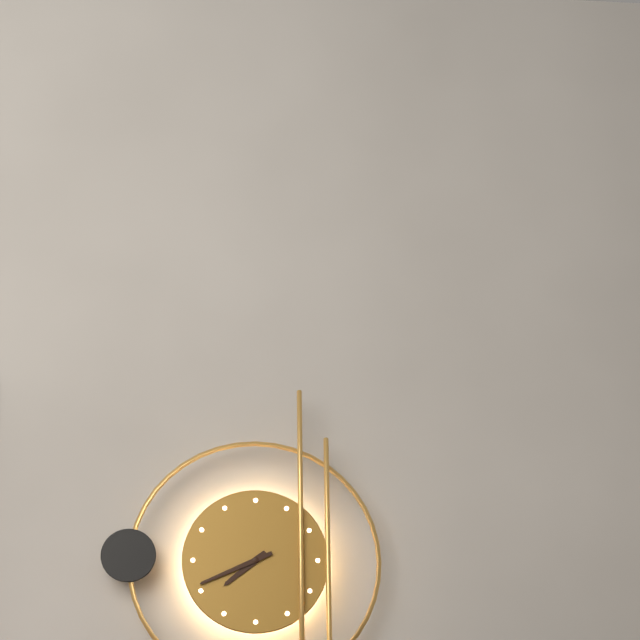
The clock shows h=7 m=41
